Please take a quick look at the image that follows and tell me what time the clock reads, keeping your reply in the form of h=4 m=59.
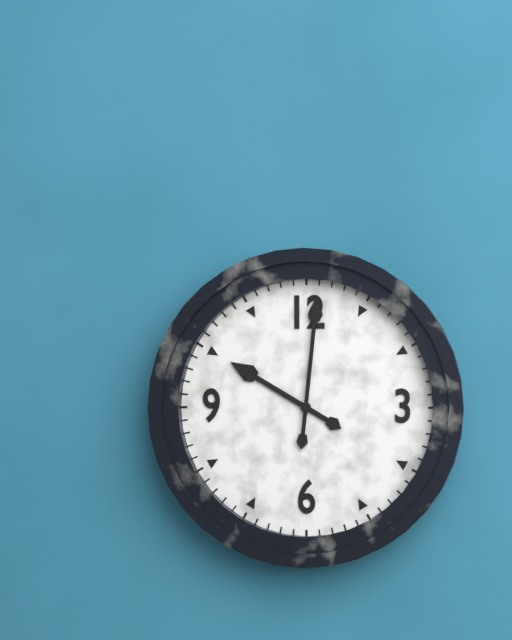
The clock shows h=10 m=1
